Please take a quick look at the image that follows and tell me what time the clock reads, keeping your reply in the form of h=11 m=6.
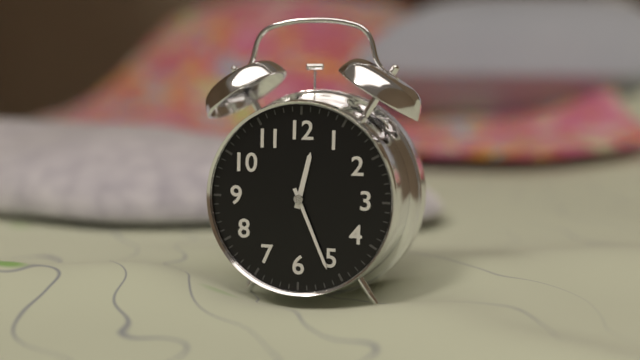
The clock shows h=12 m=26
